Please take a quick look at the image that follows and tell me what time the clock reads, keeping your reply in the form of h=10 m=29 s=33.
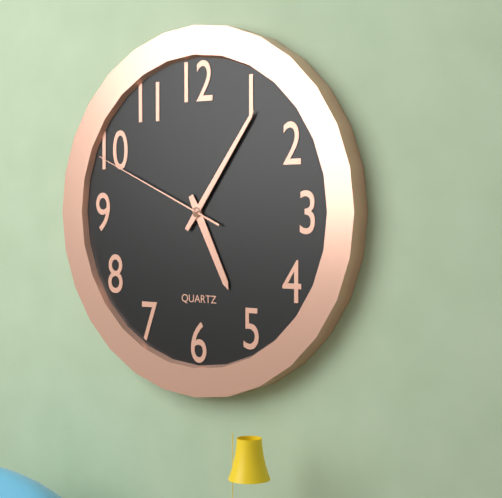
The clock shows h=5 m=6 s=49
